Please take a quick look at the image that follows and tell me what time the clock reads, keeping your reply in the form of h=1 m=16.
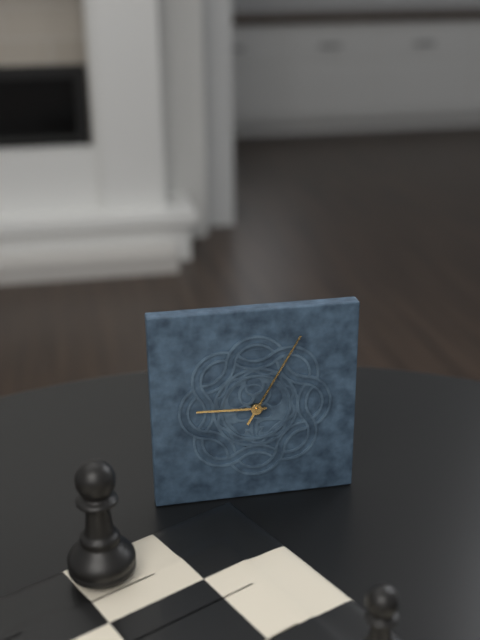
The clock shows h=9 m=5
